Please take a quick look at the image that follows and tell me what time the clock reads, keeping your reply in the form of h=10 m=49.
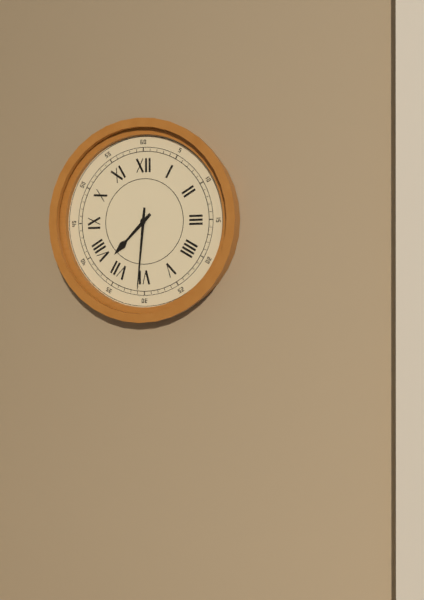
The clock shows h=7 m=31
